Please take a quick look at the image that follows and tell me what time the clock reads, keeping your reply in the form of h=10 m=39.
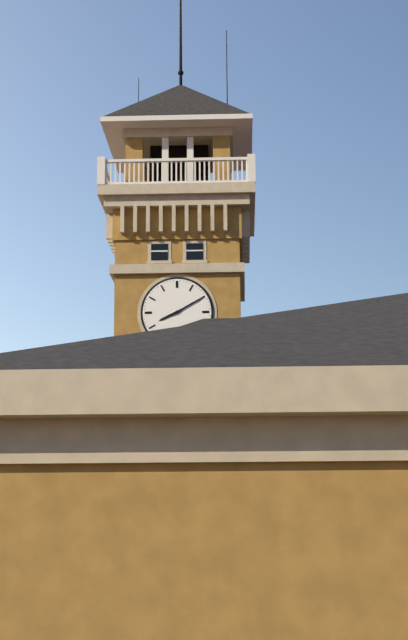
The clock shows h=8 m=10
